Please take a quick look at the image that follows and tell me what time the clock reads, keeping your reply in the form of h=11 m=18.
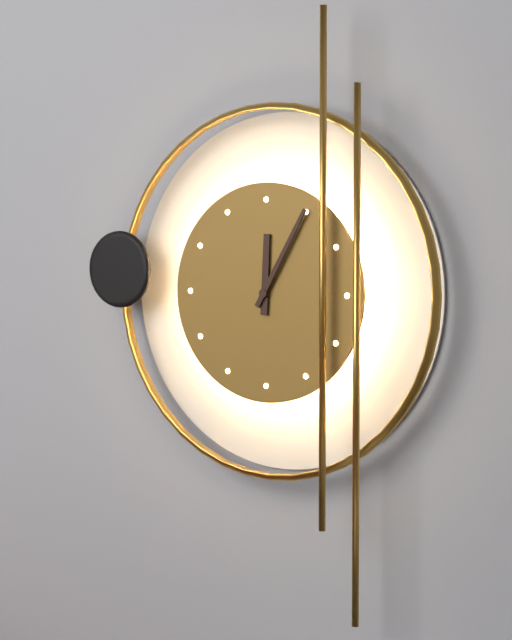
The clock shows h=12 m=5
